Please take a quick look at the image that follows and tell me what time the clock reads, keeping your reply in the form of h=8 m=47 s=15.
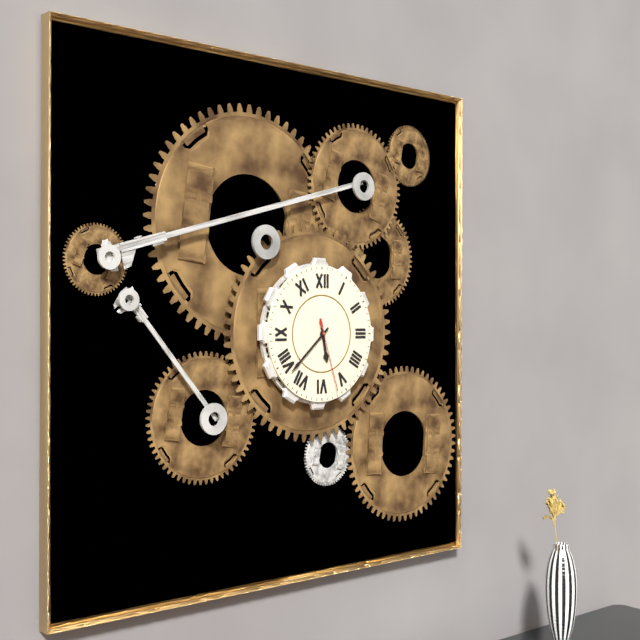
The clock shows h=5 m=38 s=27
